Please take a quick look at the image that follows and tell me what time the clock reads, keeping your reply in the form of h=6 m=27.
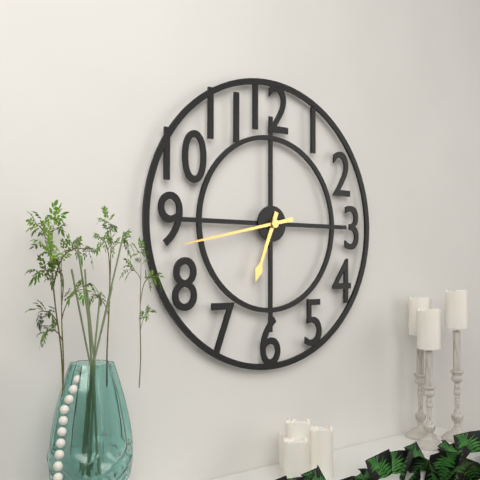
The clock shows h=6 m=43
